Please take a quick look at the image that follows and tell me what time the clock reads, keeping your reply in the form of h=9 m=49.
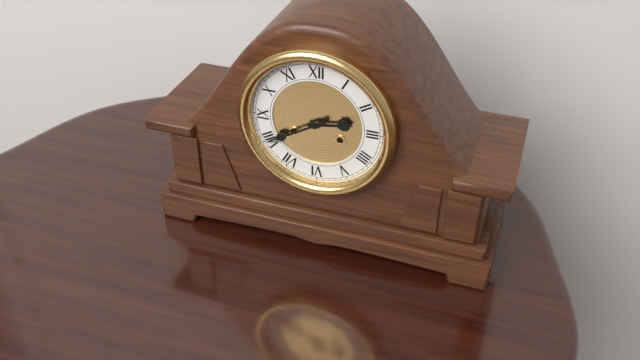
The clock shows h=2 m=40
